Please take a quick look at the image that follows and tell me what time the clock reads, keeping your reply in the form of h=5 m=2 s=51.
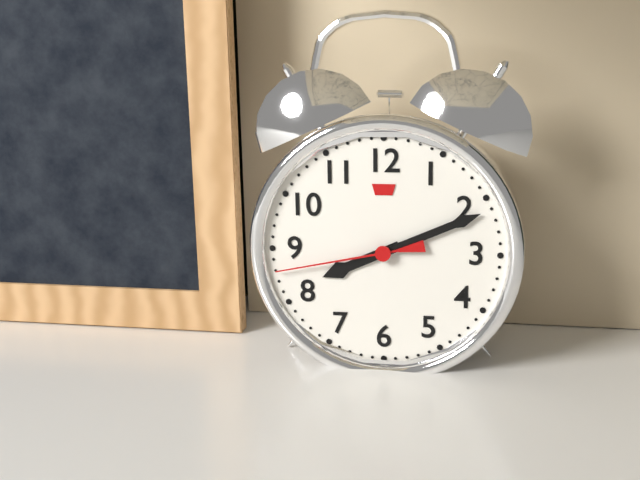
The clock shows h=8 m=11 s=43
